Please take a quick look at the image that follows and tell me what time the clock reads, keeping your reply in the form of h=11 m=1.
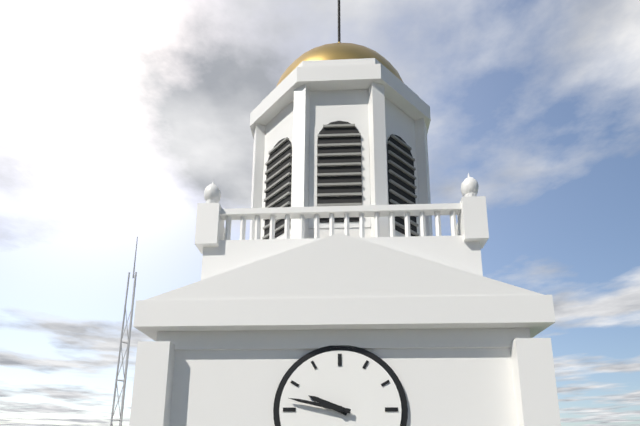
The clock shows h=9 m=47
